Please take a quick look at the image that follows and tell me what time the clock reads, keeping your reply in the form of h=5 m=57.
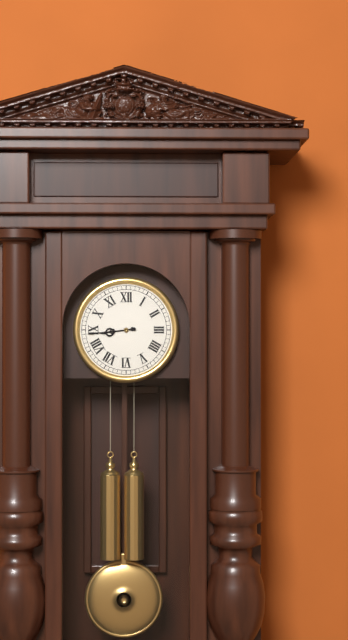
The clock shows h=8 m=44
